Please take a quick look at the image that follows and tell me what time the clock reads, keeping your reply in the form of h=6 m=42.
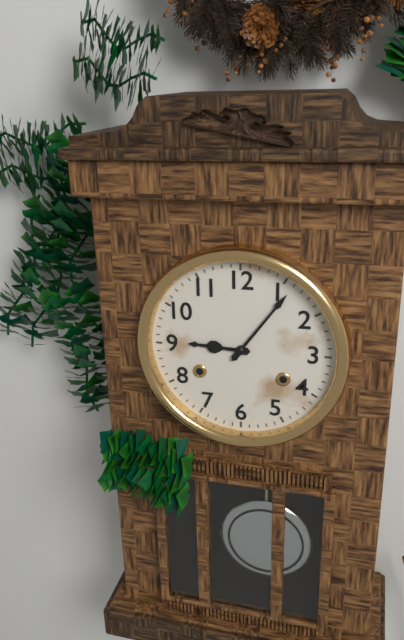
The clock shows h=9 m=6
